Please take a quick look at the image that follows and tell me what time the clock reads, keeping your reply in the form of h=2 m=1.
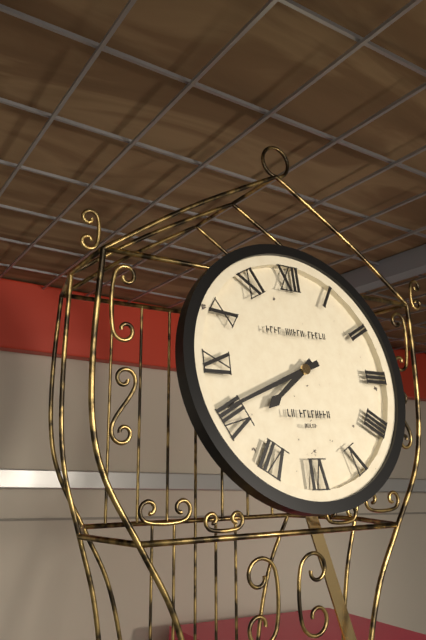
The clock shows h=7 m=41
